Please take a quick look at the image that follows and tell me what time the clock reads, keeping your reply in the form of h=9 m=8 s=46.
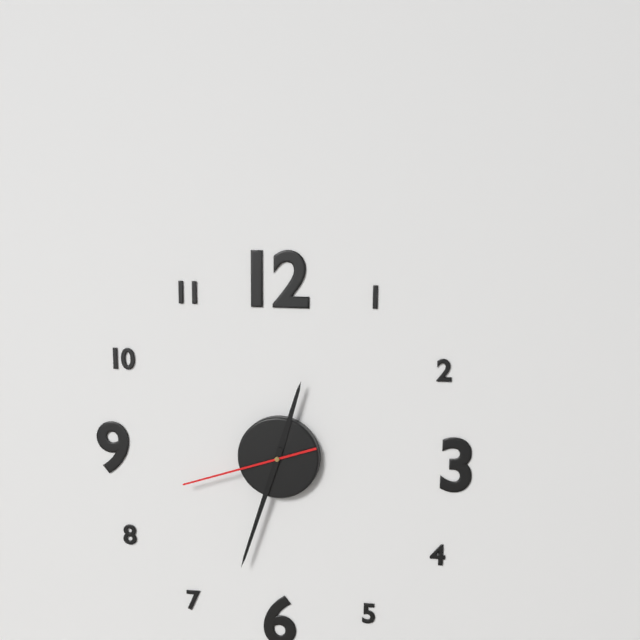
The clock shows h=12 m=33 s=42
